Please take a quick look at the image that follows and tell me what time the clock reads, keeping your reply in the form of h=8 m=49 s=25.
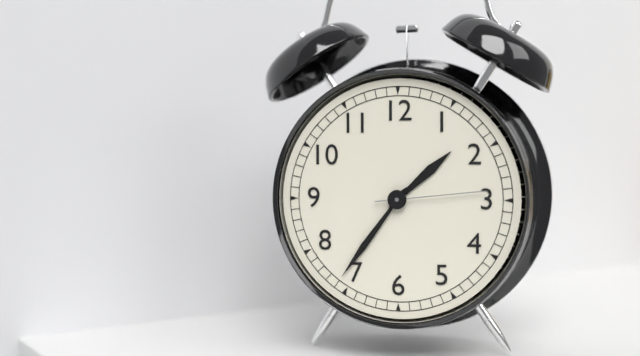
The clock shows h=1 m=36 s=14
